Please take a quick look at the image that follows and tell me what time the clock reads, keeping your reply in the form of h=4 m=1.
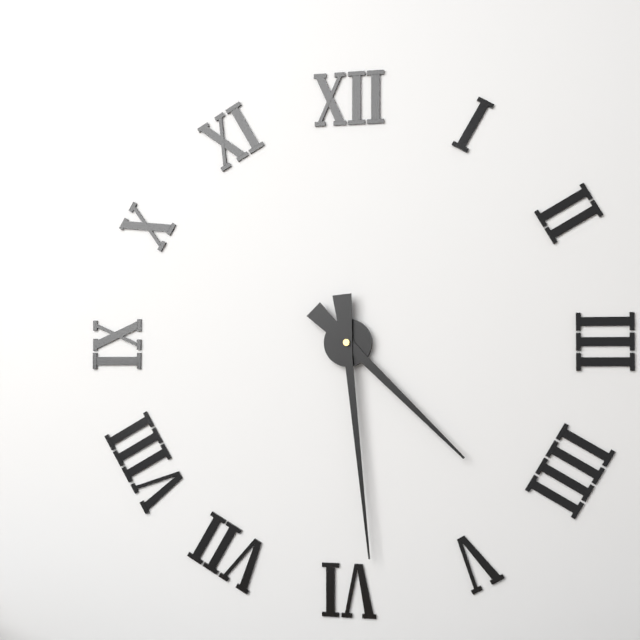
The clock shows h=4 m=29
